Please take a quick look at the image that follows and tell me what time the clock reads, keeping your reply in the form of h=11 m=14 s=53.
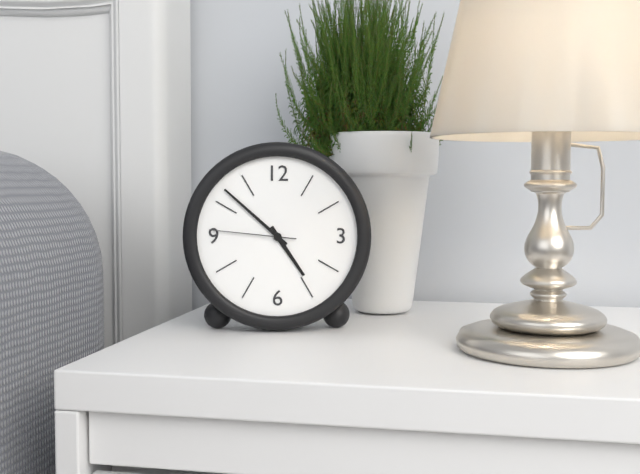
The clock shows h=4 m=52 s=46
